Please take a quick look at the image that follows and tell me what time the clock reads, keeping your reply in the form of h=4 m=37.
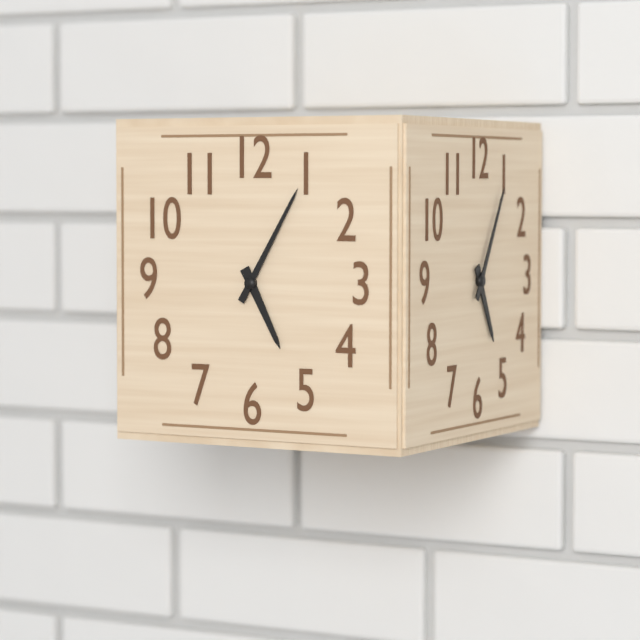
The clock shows h=5 m=5
